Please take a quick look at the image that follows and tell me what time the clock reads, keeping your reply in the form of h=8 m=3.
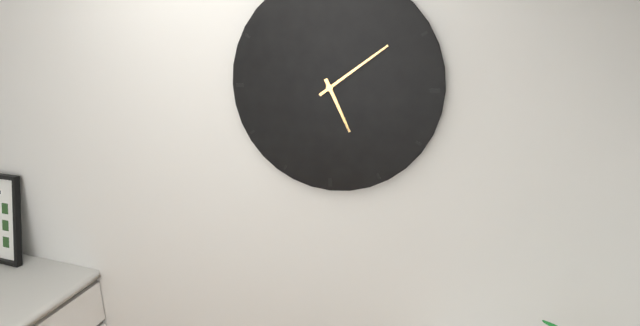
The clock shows h=5 m=9
